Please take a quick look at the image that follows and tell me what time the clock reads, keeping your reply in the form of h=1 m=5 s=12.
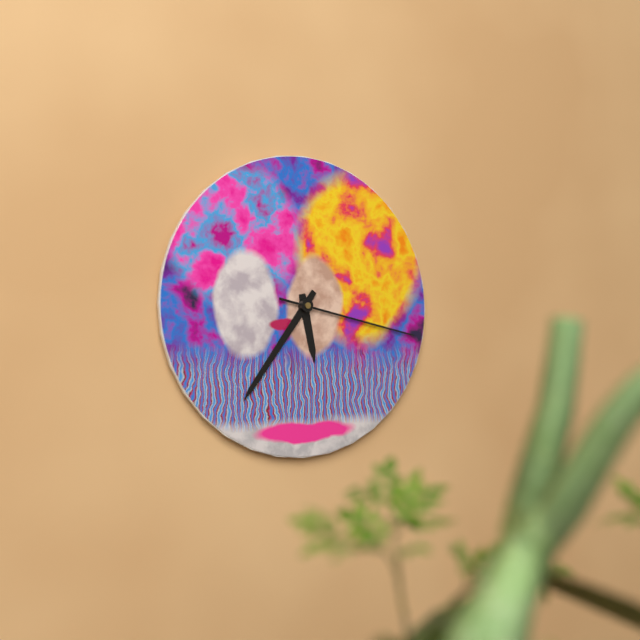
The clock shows h=5 m=36 s=17
